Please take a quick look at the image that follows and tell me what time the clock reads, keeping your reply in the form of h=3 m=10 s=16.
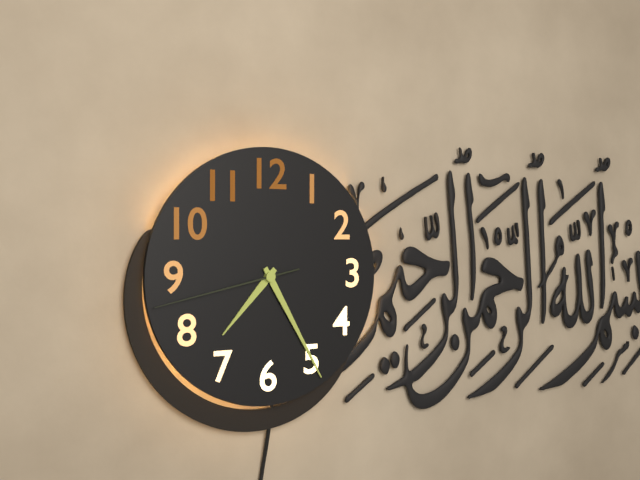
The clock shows h=7 m=25 s=43
